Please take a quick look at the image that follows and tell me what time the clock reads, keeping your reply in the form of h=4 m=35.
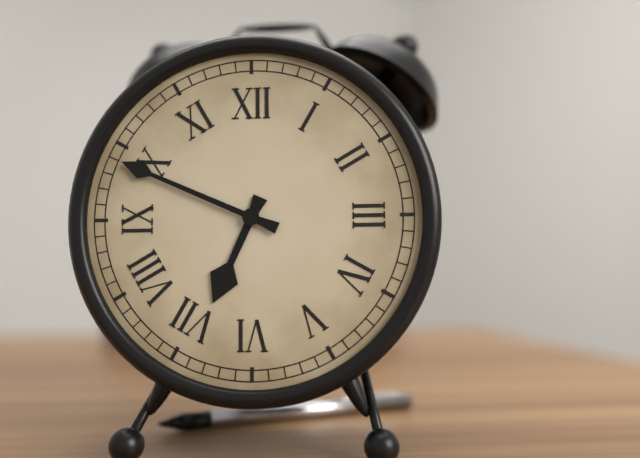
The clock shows h=6 m=49
